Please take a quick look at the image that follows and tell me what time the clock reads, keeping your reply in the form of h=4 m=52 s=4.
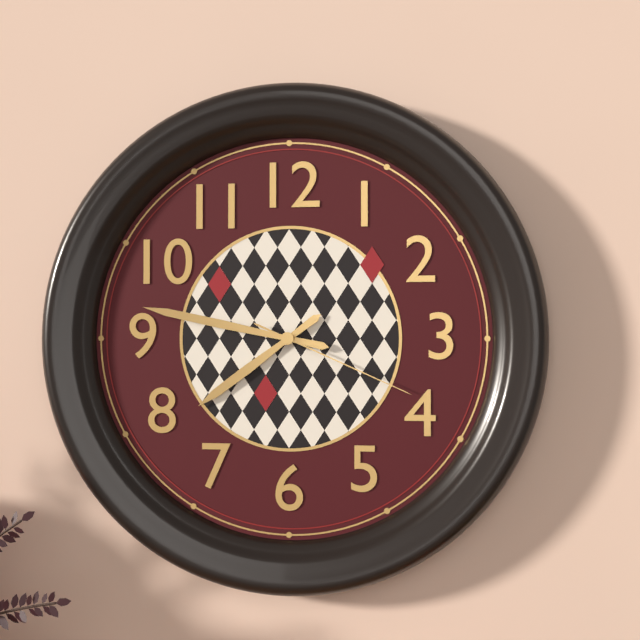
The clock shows h=7 m=47 s=19
